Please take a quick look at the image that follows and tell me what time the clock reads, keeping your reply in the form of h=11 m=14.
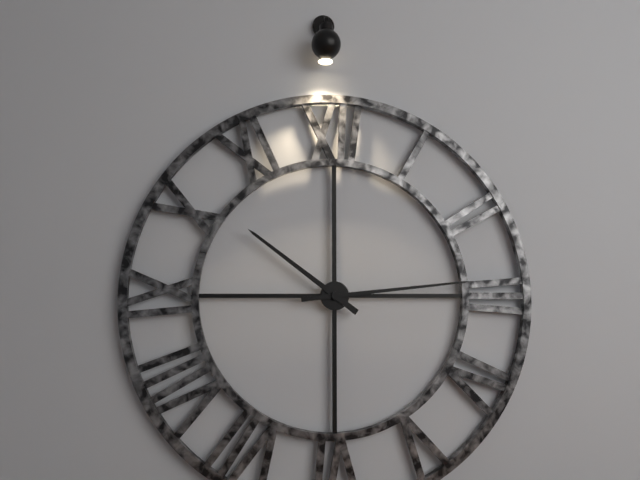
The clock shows h=10 m=14
